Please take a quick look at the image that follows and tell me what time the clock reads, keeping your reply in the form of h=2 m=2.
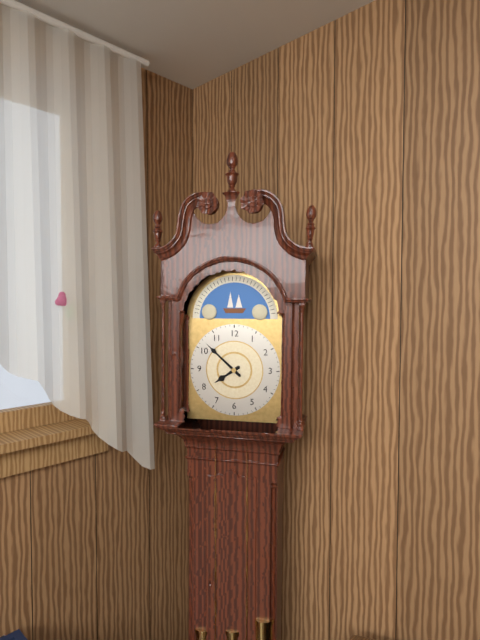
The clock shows h=7 m=52
